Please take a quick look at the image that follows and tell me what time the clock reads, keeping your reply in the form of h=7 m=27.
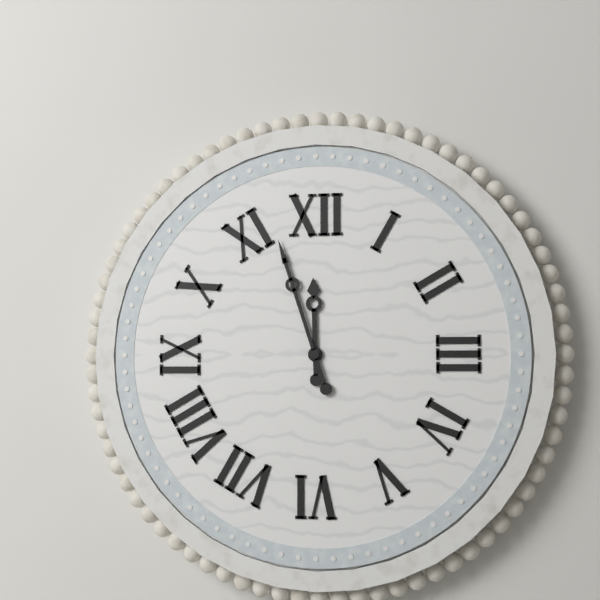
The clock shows h=11 m=57
